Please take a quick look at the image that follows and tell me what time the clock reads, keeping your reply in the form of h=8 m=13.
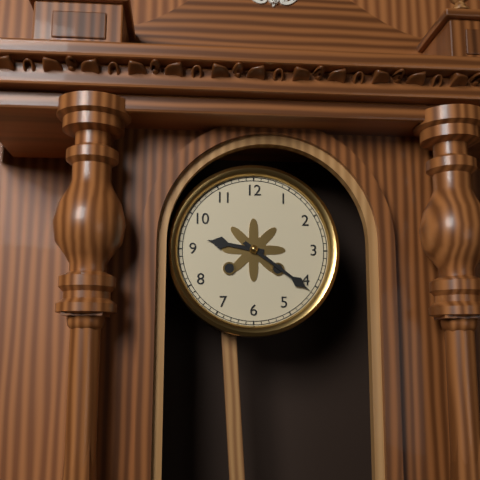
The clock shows h=9 m=21
